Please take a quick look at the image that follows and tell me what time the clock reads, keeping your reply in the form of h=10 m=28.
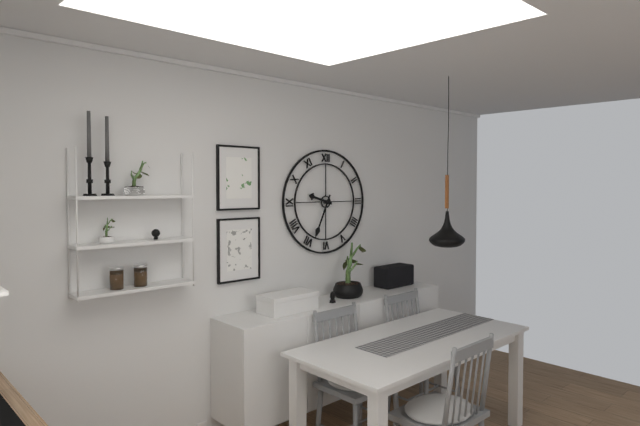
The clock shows h=9 m=34
